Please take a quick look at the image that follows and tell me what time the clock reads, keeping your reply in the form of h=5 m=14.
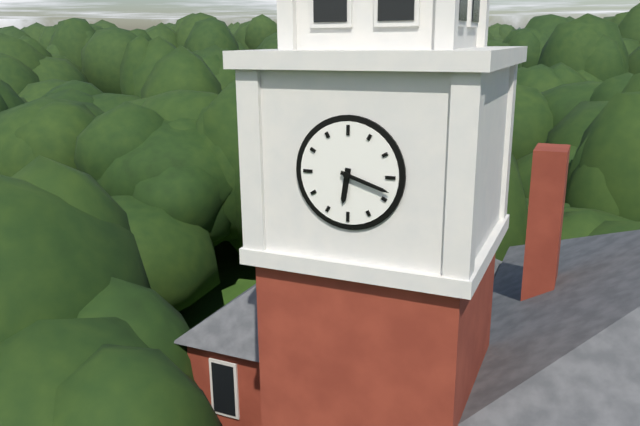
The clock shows h=6 m=18
